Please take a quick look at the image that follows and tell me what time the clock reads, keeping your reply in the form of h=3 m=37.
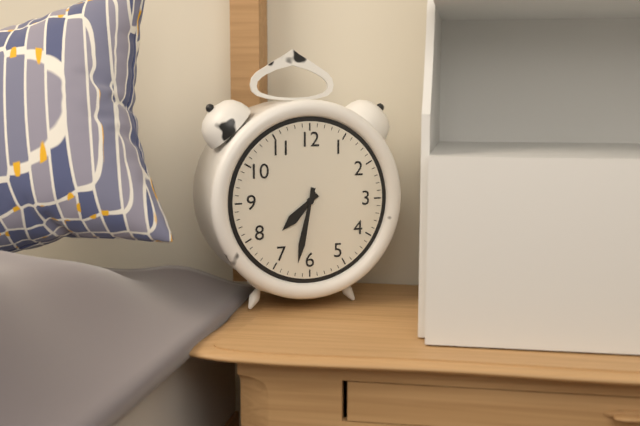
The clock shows h=7 m=32
